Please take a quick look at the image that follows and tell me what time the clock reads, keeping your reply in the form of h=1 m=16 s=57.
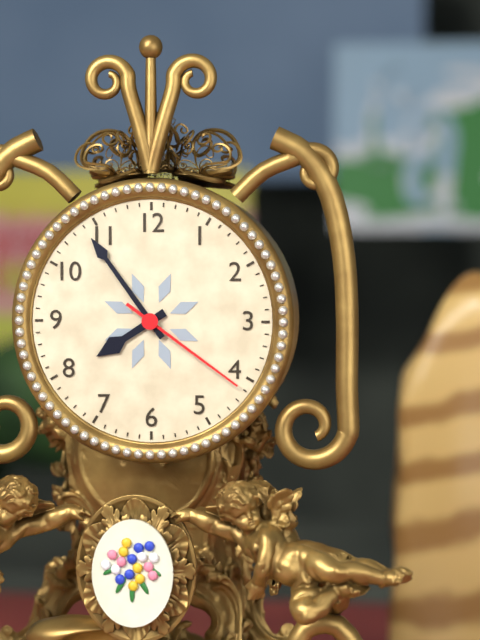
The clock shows h=7 m=54 s=21
